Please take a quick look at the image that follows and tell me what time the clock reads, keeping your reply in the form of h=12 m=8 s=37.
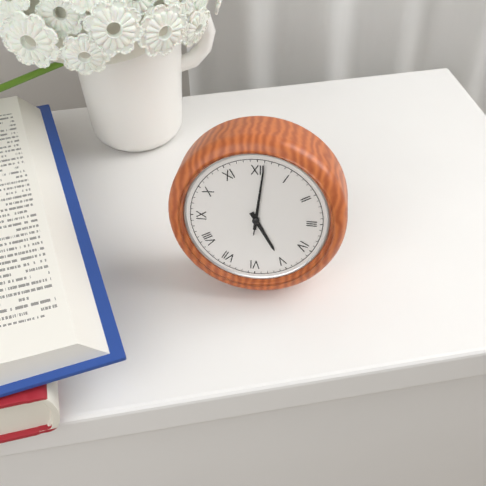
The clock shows h=5 m=1 s=1
